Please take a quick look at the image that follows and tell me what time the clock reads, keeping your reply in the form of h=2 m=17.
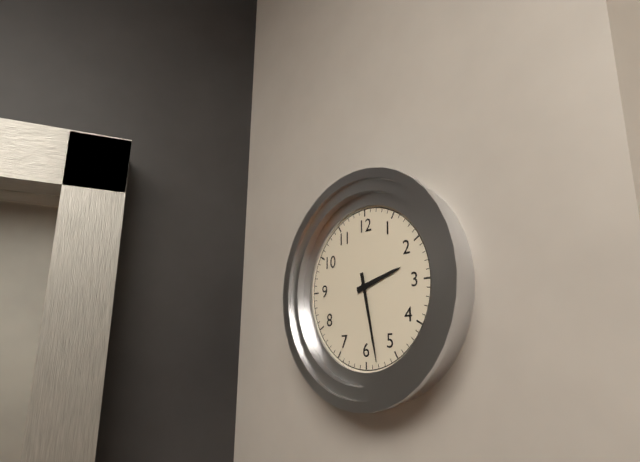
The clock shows h=2 m=28
